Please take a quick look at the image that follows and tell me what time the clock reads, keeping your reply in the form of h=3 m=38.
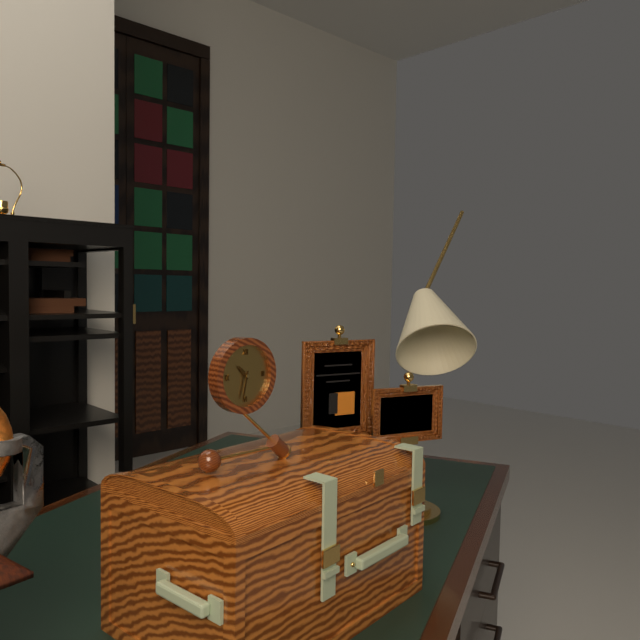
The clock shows h=10 m=32
